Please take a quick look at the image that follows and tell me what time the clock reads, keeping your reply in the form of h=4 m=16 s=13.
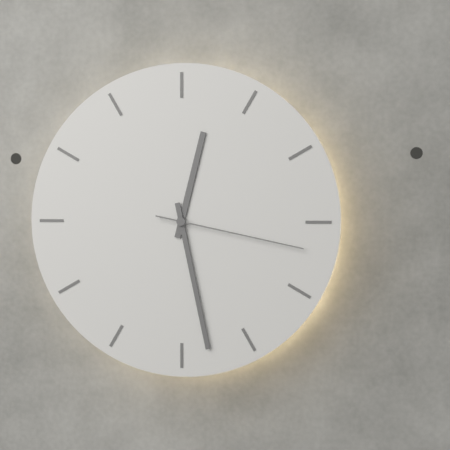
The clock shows h=12 m=28 s=17
